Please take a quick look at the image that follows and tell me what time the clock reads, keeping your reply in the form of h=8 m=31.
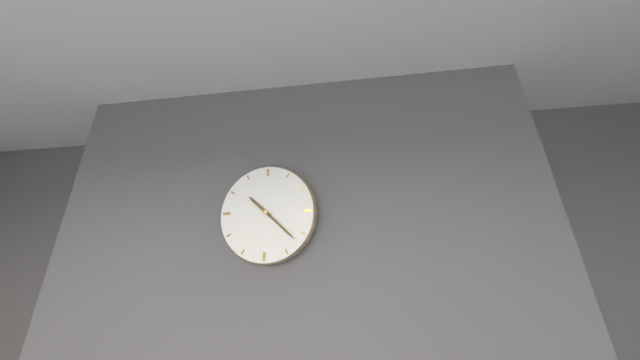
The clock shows h=10 m=22
